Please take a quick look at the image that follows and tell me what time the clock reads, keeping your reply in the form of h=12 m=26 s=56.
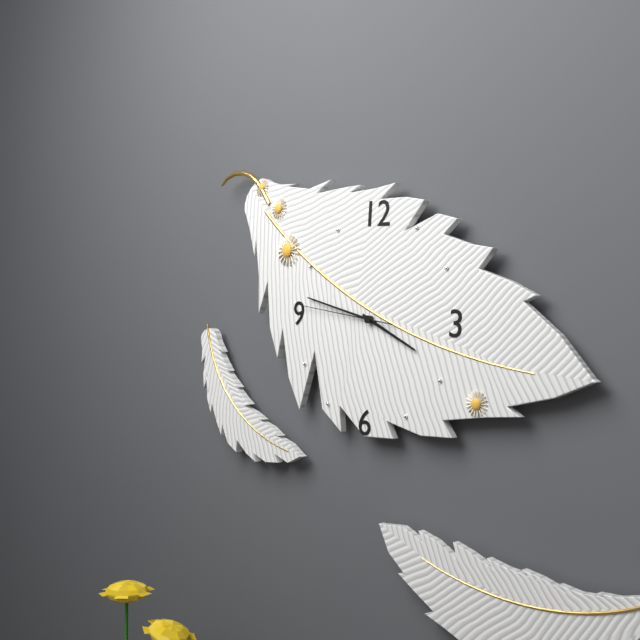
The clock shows h=3 m=47 s=46
